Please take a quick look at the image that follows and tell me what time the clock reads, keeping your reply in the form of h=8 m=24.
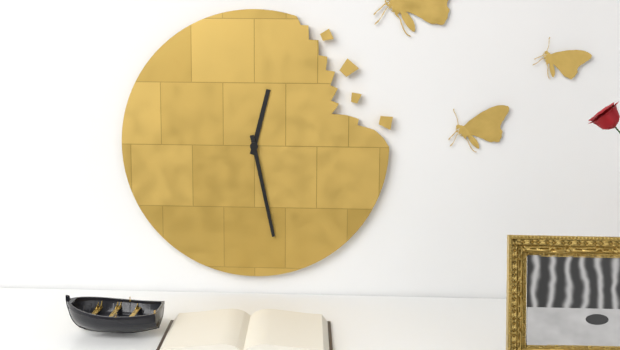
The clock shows h=12 m=28
